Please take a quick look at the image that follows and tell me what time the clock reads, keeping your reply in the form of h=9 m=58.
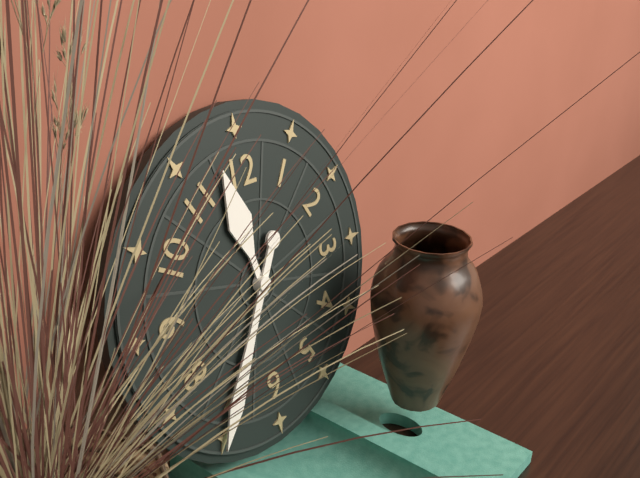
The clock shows h=11 m=35
